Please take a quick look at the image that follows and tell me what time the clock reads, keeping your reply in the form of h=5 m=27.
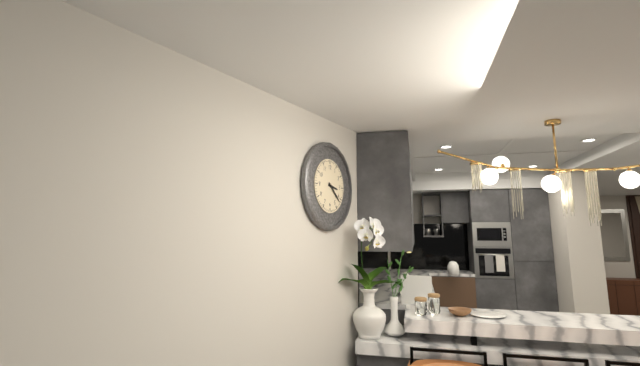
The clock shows h=3 m=22
